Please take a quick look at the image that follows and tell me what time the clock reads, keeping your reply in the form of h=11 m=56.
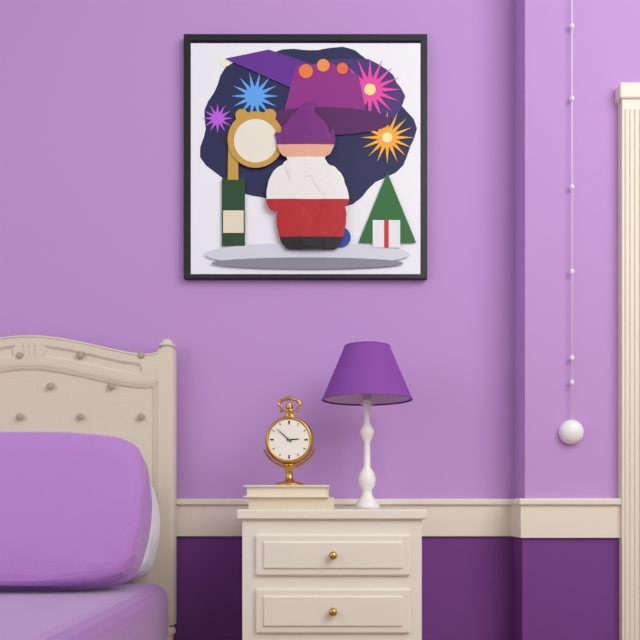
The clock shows h=2 m=52
